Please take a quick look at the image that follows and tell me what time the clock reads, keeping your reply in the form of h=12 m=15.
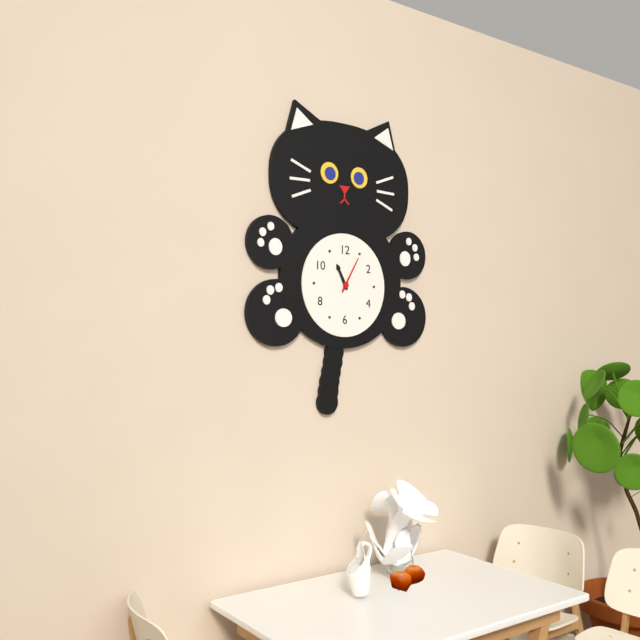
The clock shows h=11 m=5
